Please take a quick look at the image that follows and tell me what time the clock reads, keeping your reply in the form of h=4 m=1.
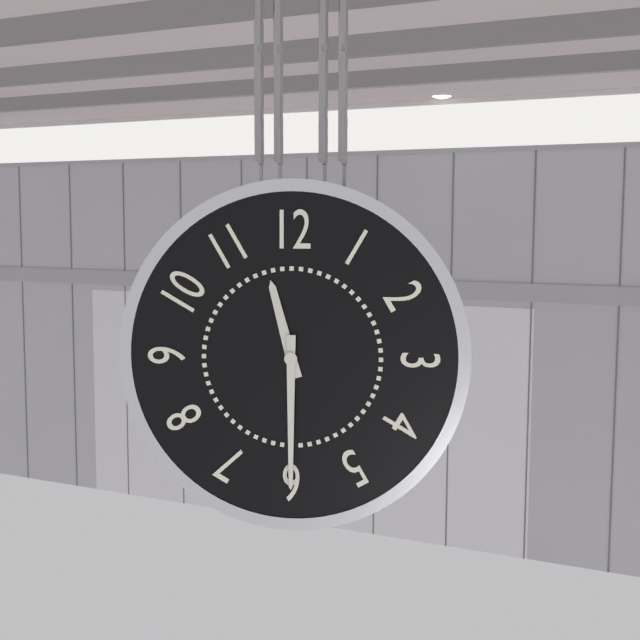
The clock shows h=11 m=30
